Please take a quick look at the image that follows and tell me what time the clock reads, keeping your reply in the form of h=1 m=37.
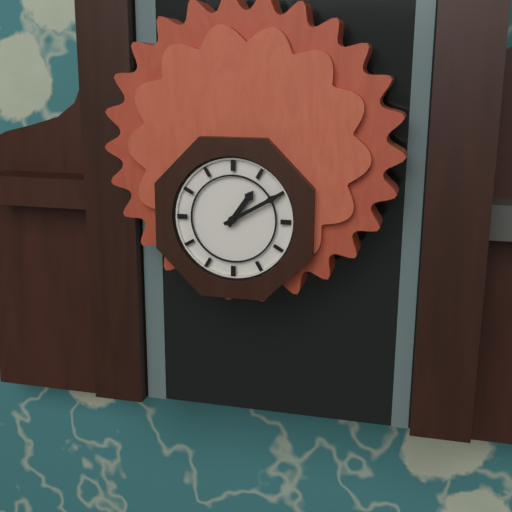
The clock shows h=1 m=10
